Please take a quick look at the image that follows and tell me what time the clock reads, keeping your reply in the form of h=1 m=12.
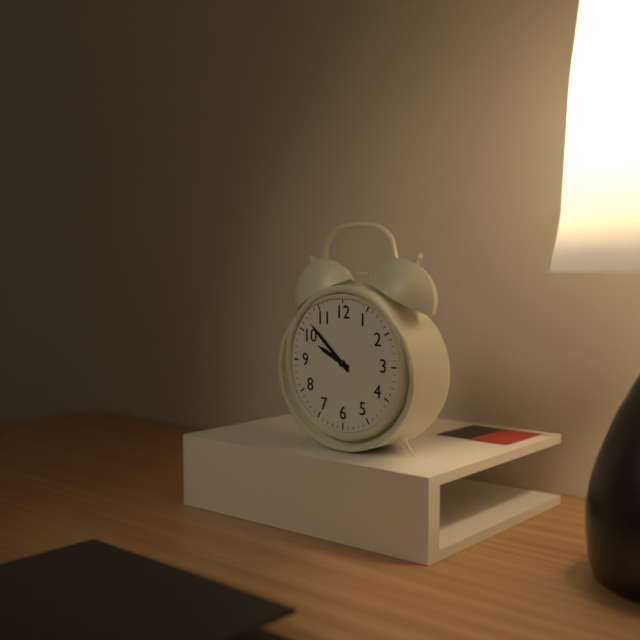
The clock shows h=9 m=52
